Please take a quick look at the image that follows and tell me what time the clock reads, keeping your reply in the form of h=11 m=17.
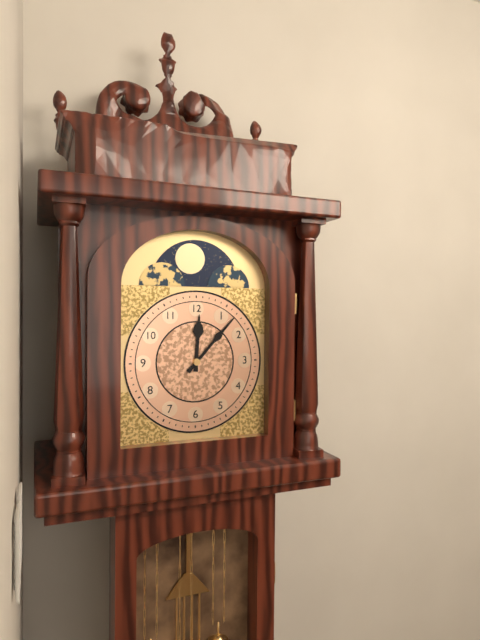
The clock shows h=12 m=7
